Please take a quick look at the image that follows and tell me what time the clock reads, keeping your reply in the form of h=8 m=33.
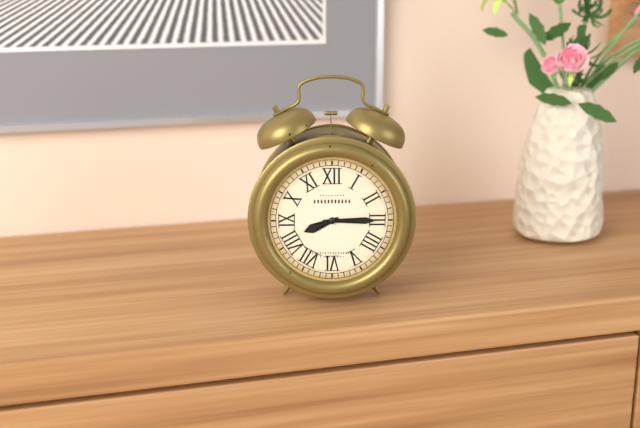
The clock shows h=8 m=15
